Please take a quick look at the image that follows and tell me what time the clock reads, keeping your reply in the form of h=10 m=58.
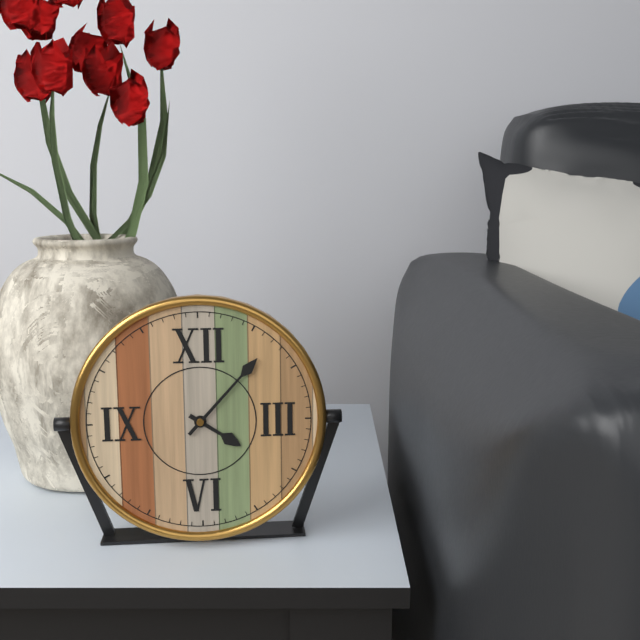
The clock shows h=4 m=7
